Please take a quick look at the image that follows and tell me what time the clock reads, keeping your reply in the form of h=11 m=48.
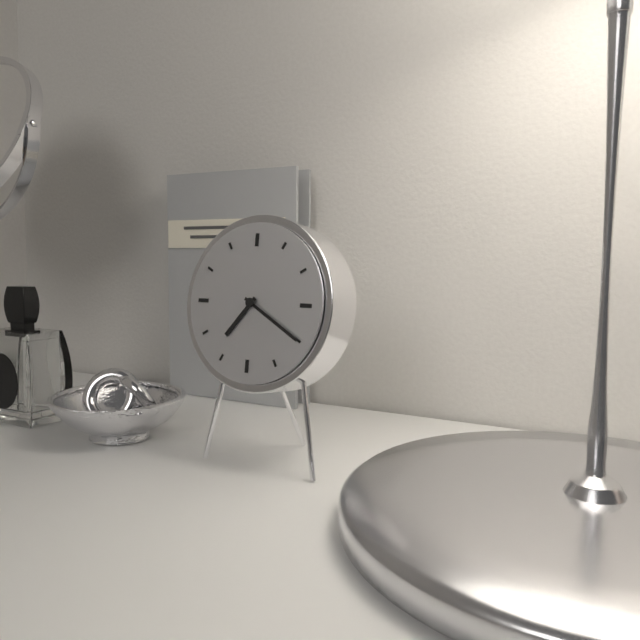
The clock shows h=7 m=20
